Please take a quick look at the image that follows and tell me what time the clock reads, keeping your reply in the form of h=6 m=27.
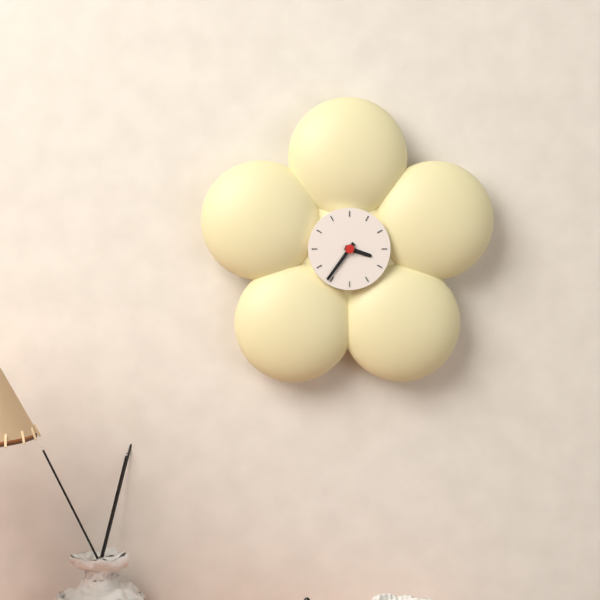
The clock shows h=3 m=36
